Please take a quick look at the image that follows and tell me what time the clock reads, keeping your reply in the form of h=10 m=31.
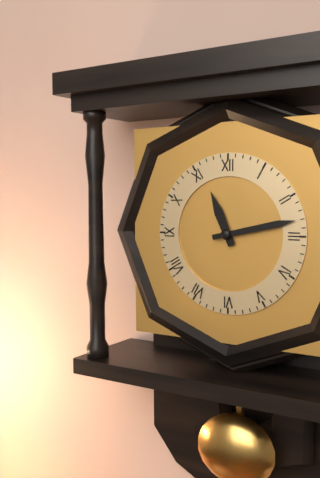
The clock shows h=11 m=13
